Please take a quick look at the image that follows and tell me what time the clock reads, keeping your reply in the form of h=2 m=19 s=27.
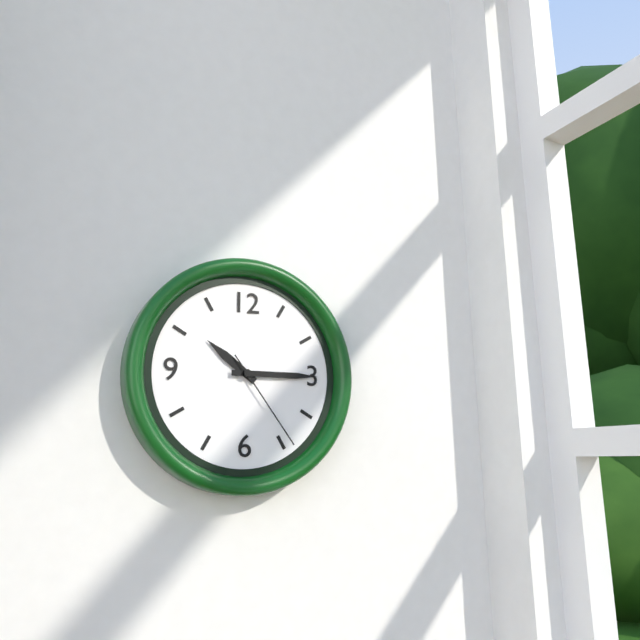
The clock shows h=10 m=15 s=24
